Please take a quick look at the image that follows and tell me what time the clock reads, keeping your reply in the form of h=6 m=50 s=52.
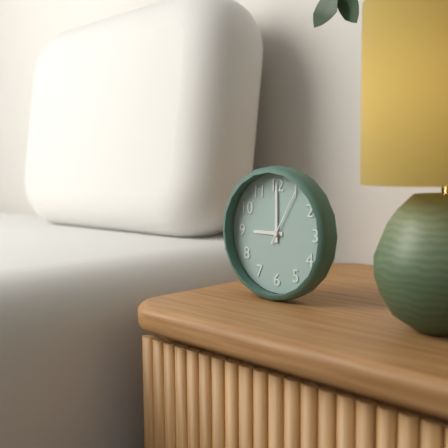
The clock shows h=9 m=0 s=5
